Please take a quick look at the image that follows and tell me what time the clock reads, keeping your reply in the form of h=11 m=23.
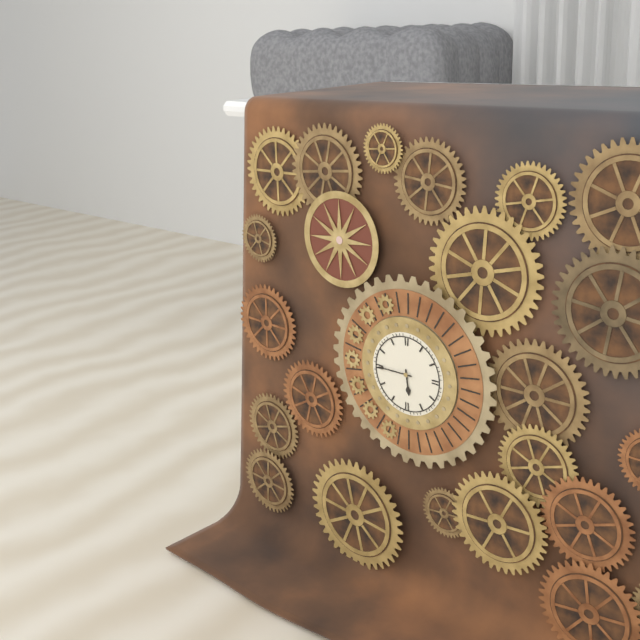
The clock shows h=5 m=45
